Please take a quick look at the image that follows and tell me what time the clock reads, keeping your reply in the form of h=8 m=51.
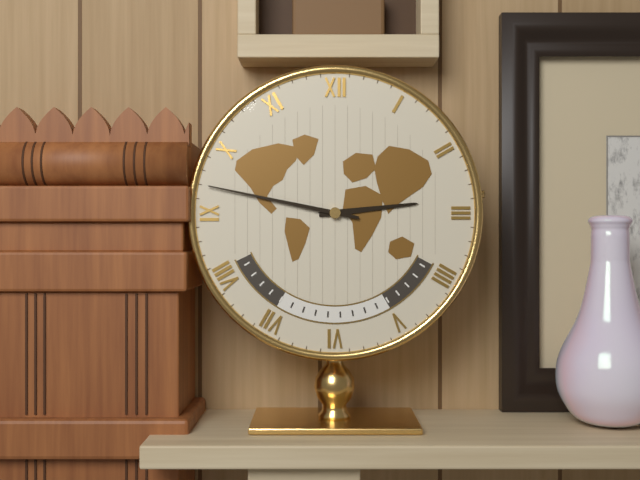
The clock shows h=2 m=47
